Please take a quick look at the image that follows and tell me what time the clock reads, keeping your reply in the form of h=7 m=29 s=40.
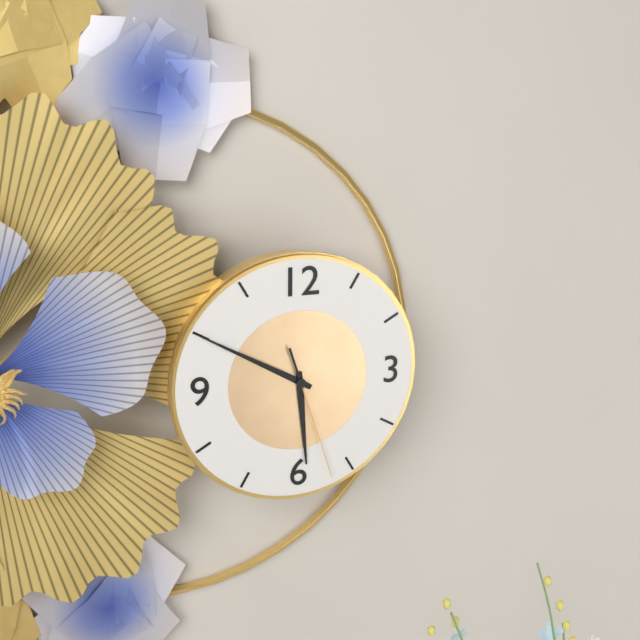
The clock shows h=5 m=50 s=27
